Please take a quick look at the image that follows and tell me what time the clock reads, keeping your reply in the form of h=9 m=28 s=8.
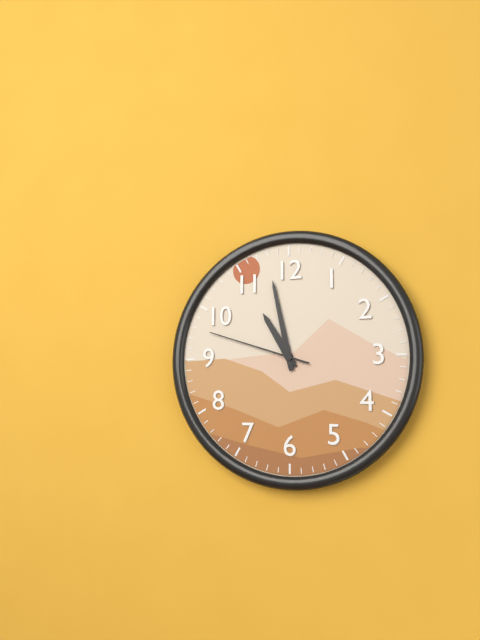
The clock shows h=10 m=58 s=48
